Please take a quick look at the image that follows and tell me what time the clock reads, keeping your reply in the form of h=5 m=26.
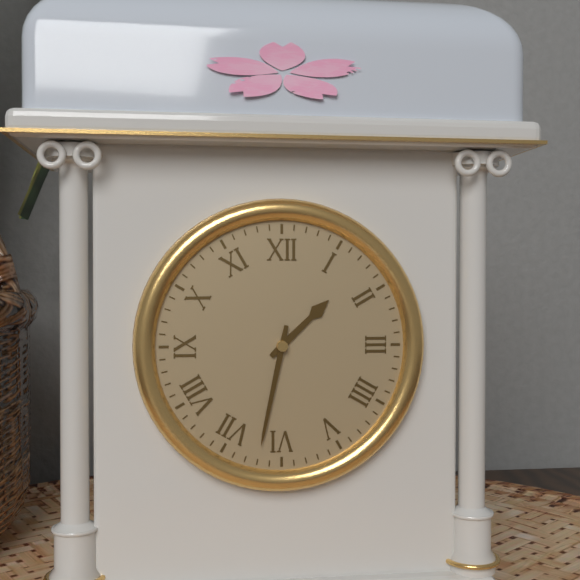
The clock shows h=1 m=32
